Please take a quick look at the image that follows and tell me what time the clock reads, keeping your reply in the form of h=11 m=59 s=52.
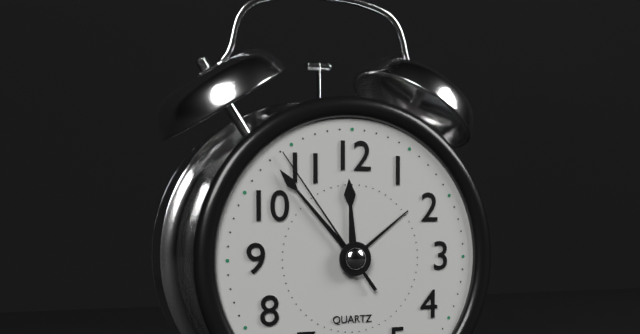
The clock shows h=11 m=53 s=54
